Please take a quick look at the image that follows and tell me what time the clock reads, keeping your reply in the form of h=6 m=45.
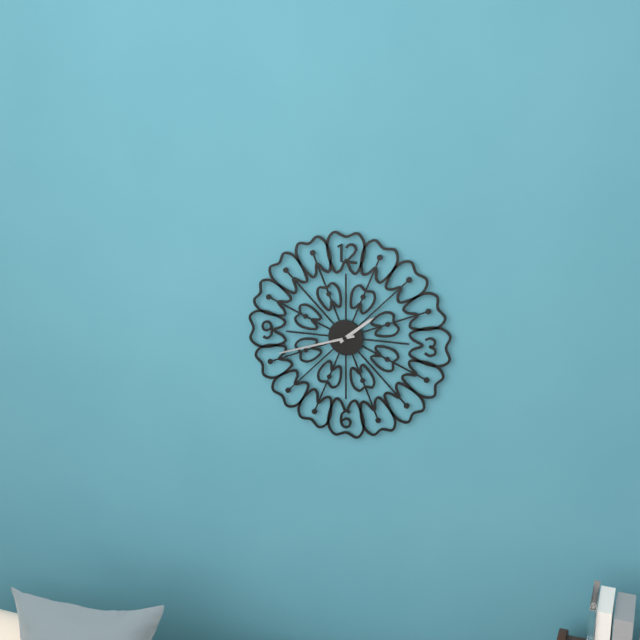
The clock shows h=1 m=42
